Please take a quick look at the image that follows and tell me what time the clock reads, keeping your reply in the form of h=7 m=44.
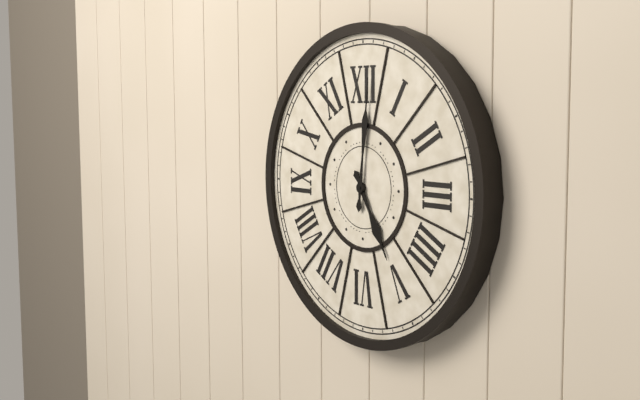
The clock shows h=5 m=1
